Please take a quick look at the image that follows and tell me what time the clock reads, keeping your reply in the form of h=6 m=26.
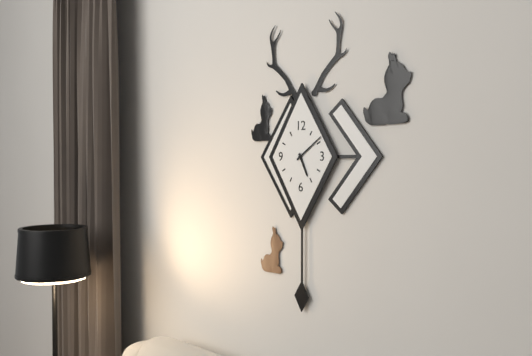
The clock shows h=5 m=9
